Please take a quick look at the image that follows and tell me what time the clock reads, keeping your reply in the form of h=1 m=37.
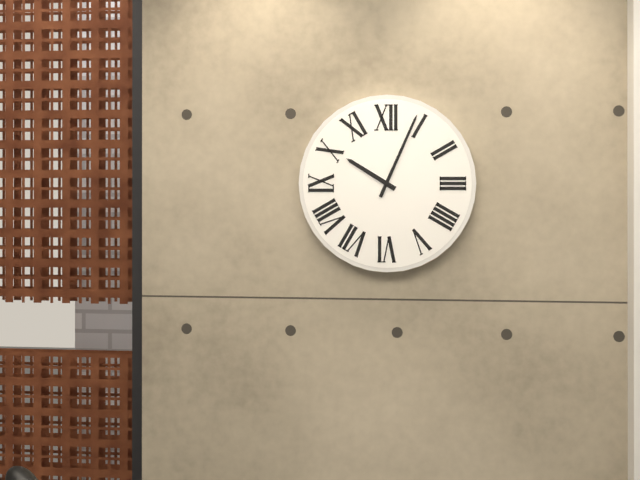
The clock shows h=10 m=4
